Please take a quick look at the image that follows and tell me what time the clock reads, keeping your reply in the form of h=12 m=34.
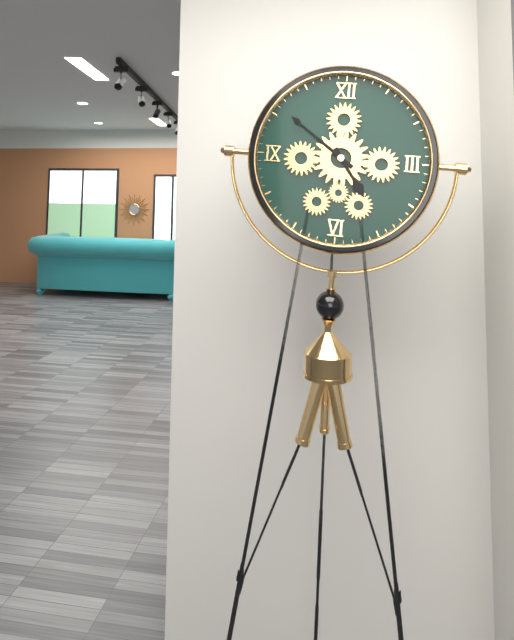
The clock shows h=4 m=51
